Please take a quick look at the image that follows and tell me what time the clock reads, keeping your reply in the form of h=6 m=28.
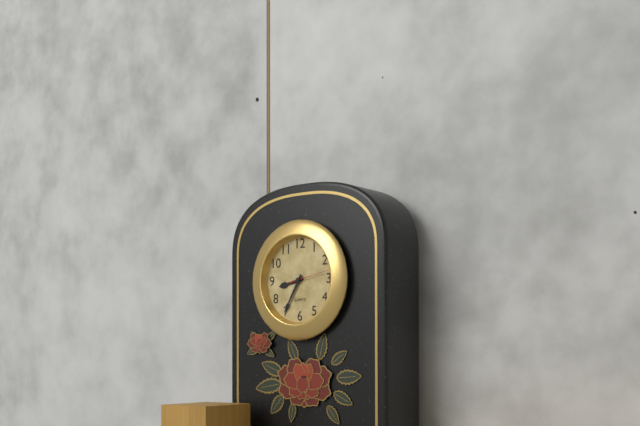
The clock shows h=8 m=35
